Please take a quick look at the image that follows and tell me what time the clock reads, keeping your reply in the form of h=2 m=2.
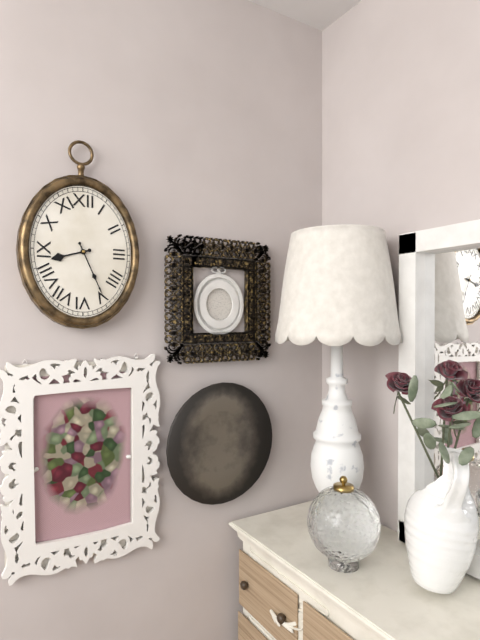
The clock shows h=8 m=26
